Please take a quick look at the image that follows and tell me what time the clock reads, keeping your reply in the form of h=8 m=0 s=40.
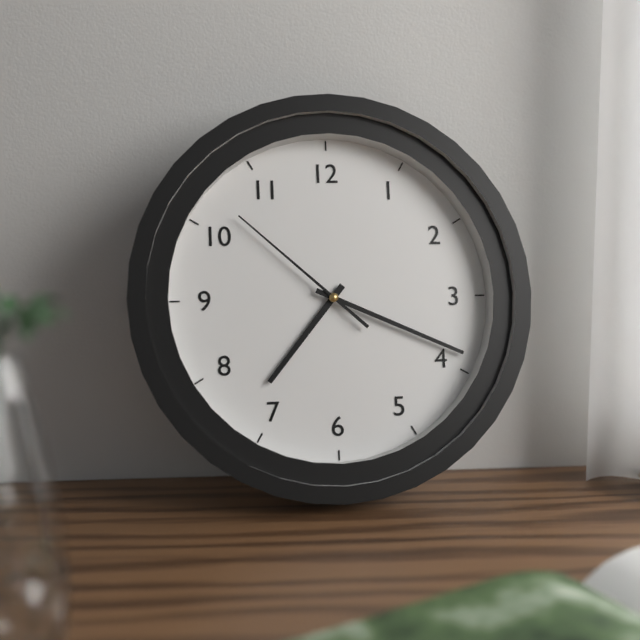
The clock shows h=7 m=19 s=52
